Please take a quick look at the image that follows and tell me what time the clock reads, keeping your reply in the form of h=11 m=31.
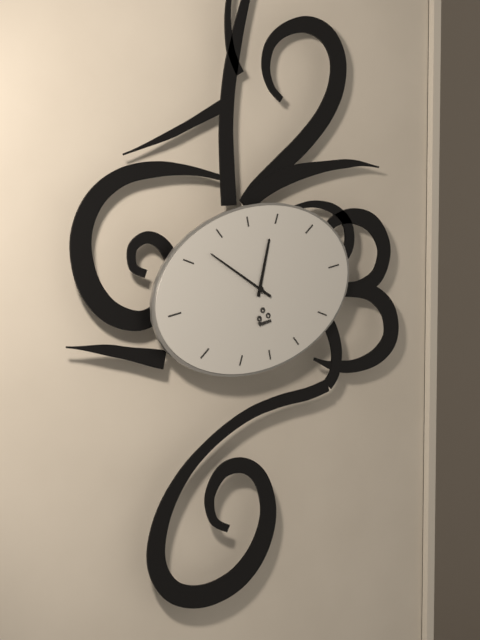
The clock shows h=12 m=52
